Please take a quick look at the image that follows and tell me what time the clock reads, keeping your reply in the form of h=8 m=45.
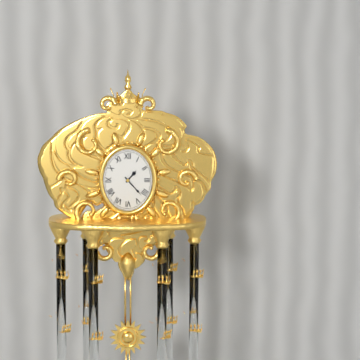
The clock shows h=1 m=23
